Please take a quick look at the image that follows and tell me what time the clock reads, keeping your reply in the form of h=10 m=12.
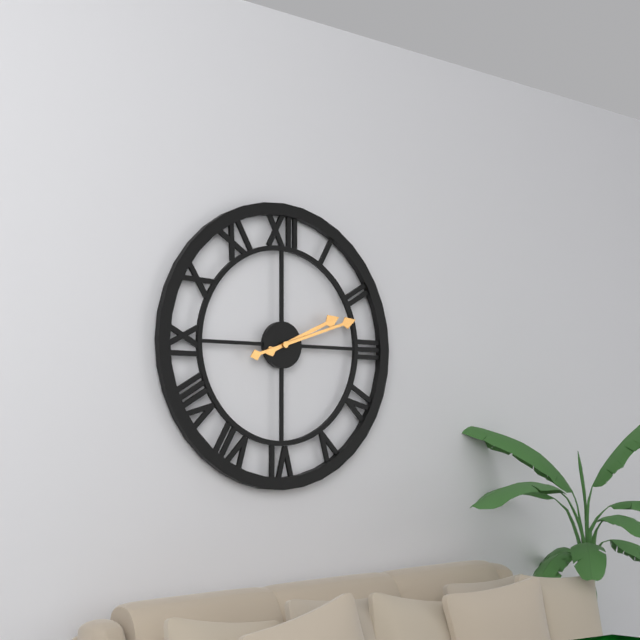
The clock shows h=2 m=12
